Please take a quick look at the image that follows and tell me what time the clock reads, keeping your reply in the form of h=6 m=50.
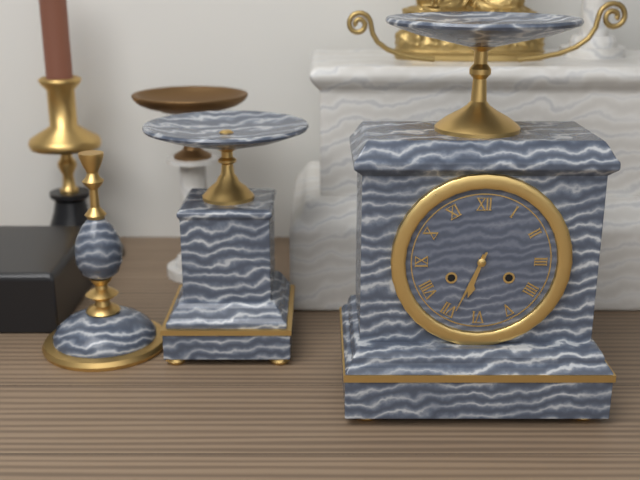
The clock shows h=6 m=34
